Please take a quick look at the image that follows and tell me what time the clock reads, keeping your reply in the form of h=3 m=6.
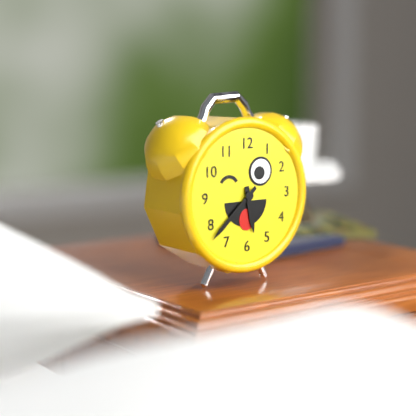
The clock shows h=5 m=38
